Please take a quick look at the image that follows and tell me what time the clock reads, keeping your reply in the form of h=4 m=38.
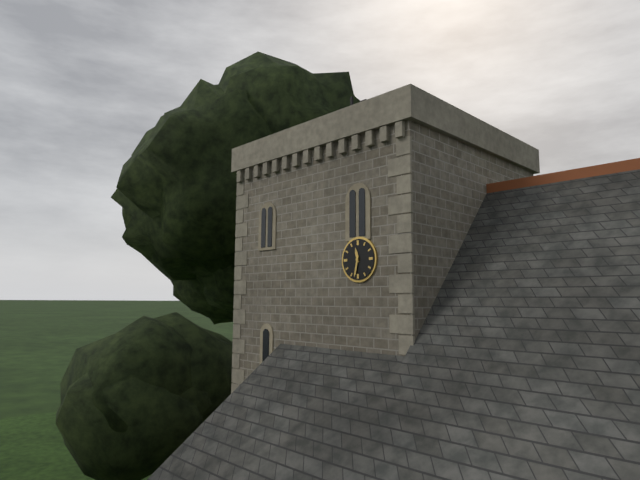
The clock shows h=11 m=32
